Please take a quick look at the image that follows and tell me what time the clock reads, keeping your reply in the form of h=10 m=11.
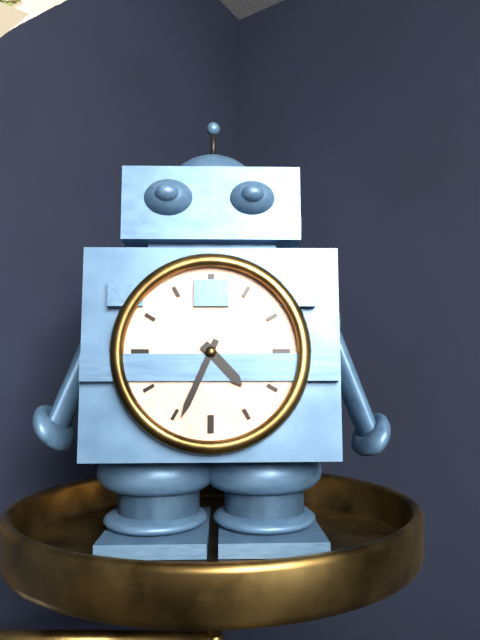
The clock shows h=4 m=34
